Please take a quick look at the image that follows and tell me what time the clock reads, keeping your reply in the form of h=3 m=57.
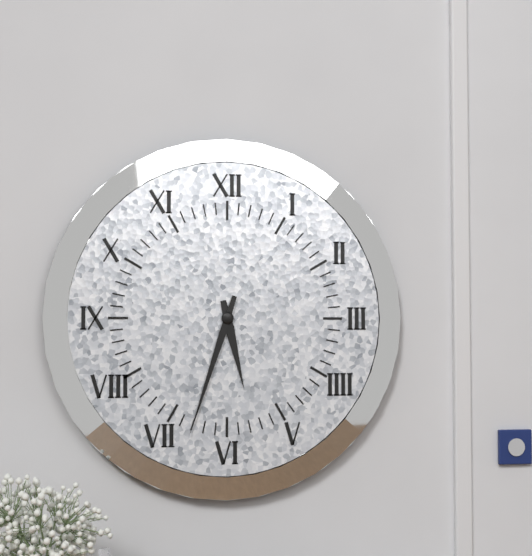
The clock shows h=5 m=33
